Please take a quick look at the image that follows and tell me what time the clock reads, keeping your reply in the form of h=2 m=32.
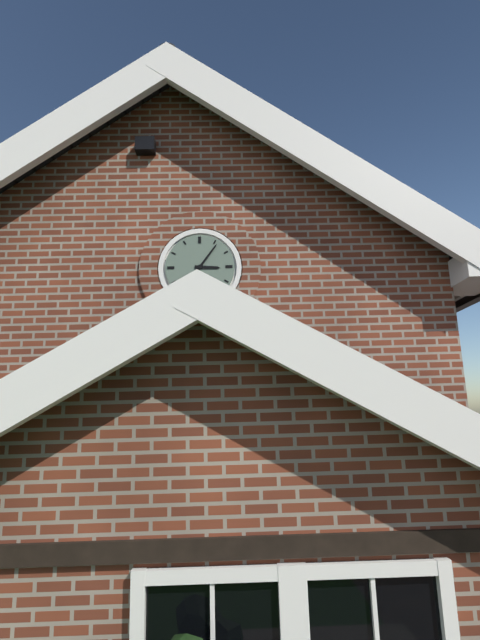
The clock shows h=3 m=6
